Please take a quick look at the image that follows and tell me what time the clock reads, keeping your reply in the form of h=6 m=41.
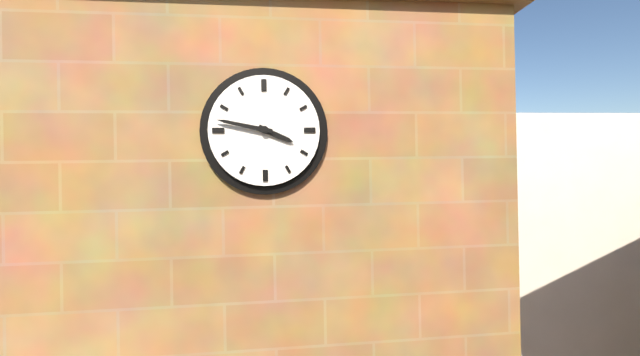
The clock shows h=3 m=47
